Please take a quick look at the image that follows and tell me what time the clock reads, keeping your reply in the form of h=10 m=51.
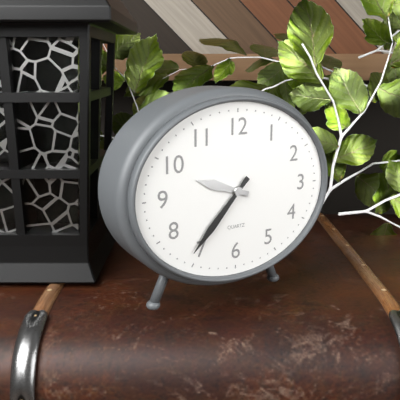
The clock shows h=9 m=37
